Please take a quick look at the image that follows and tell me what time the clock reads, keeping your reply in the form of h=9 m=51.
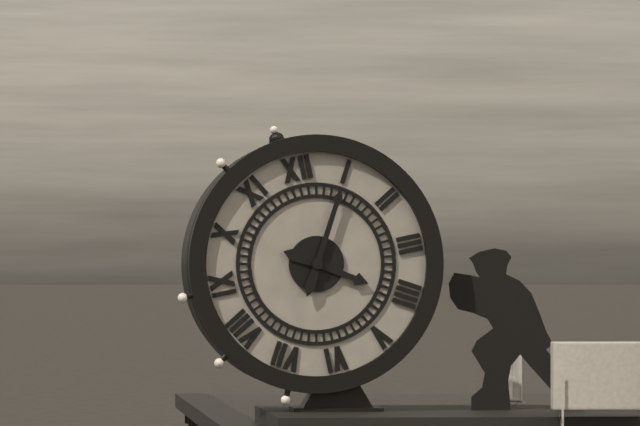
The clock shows h=4 m=5
